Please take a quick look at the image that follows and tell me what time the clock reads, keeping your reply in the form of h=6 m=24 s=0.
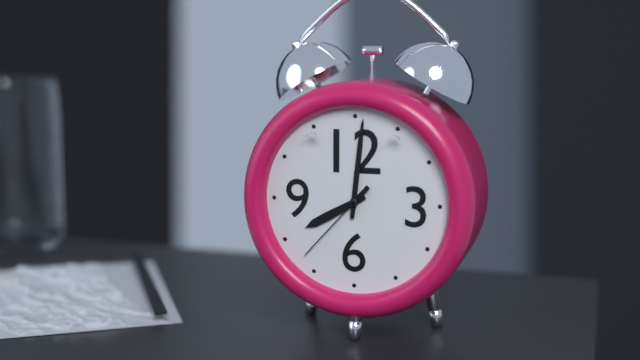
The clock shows h=8 m=1 s=37
